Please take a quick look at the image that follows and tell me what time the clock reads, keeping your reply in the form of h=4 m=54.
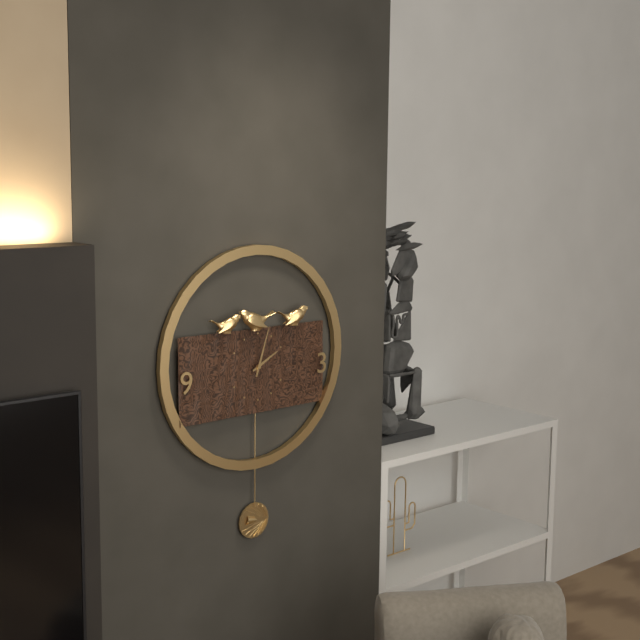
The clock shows h=2 m=3
